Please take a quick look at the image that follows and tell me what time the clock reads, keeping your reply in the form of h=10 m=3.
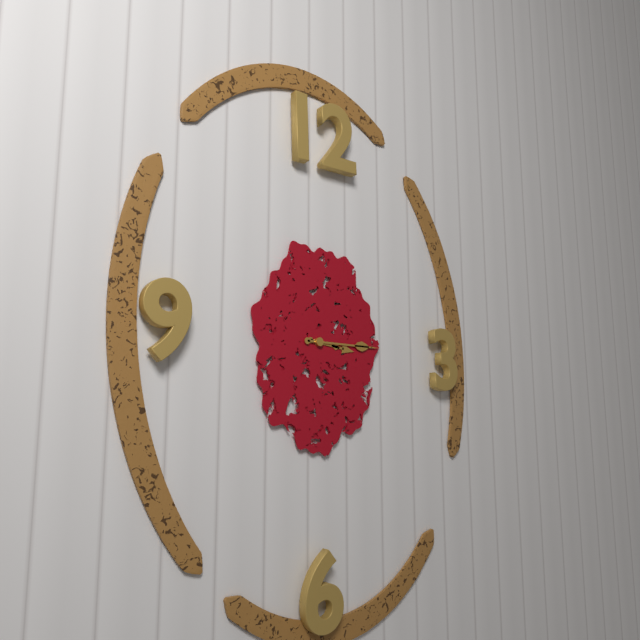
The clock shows h=3 m=15
